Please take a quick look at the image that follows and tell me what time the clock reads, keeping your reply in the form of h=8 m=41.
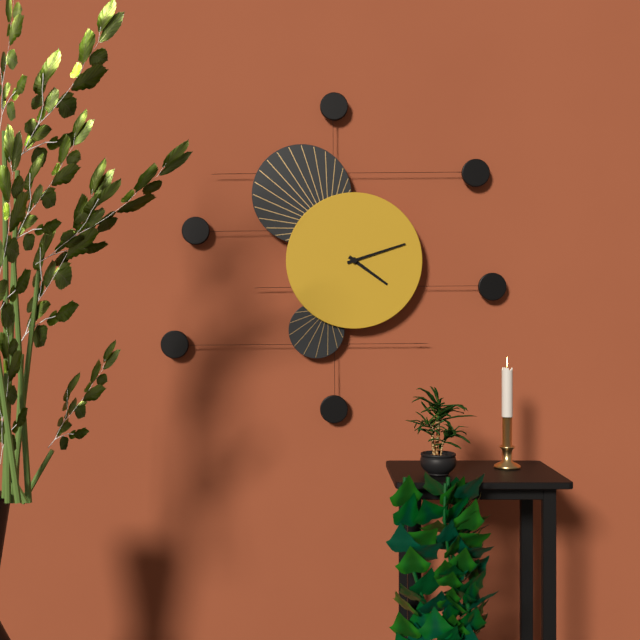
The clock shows h=4 m=12
